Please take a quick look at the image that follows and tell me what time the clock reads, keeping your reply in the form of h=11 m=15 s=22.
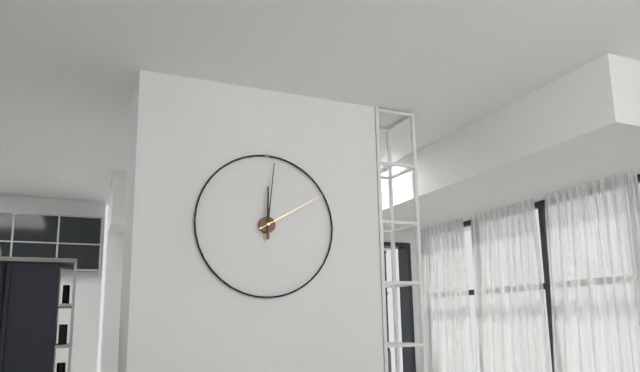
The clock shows h=12 m=1 s=10
